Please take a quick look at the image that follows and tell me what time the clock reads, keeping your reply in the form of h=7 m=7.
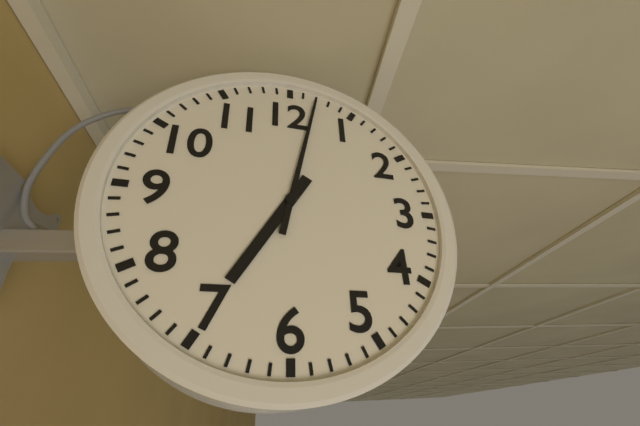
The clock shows h=7 m=2
